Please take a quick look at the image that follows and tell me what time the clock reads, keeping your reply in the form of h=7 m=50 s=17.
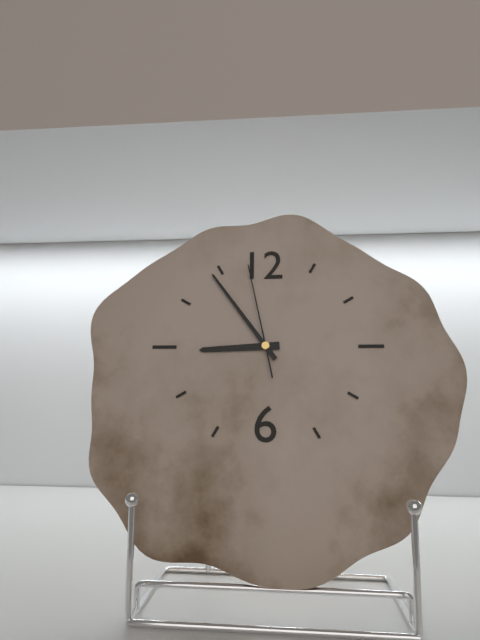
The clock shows h=8 m=54 s=58
